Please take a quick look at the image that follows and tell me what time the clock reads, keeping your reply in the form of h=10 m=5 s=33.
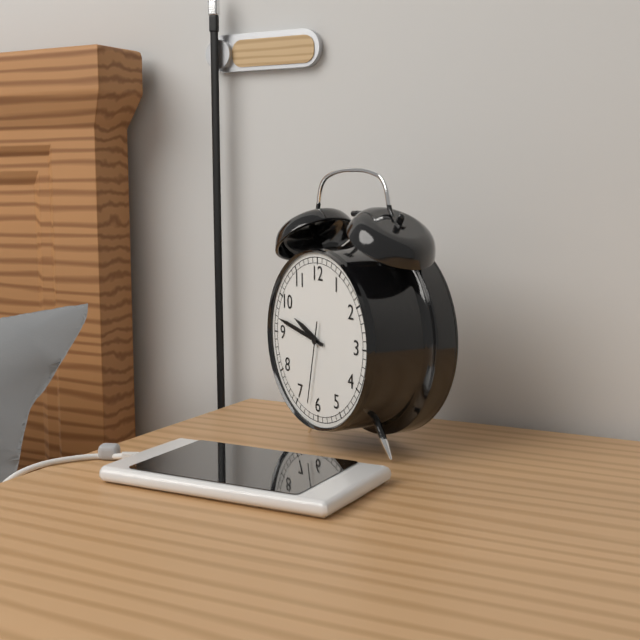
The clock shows h=9 m=47 s=32
